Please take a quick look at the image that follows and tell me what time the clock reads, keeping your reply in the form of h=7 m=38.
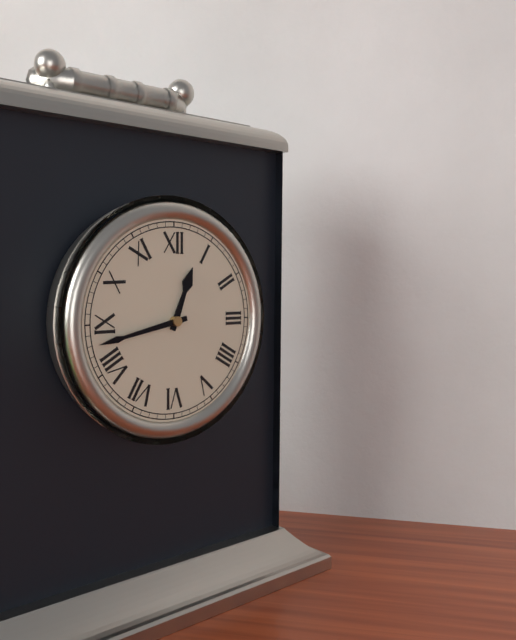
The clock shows h=12 m=43
